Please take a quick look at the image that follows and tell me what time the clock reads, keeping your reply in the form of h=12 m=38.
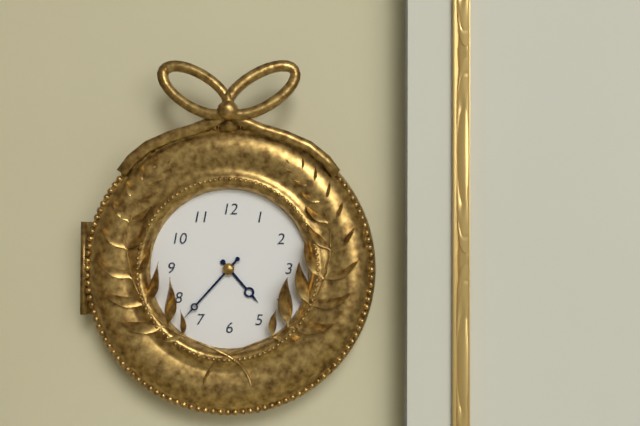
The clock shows h=4 m=37
